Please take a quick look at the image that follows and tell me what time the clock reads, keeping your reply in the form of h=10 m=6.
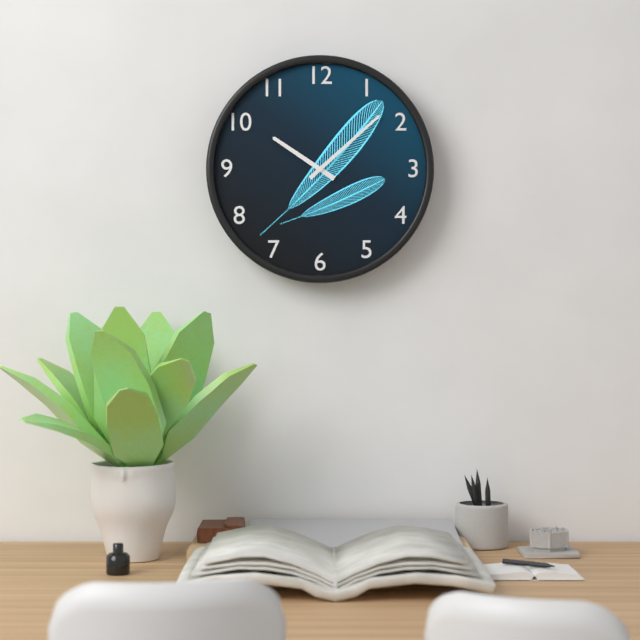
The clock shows h=10 m=8
